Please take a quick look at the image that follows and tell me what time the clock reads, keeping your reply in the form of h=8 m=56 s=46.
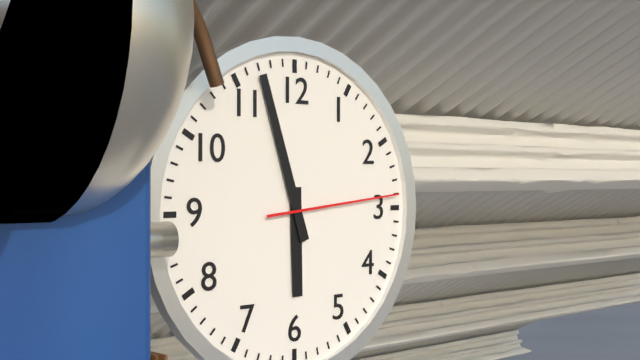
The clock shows h=5 m=57 s=14
